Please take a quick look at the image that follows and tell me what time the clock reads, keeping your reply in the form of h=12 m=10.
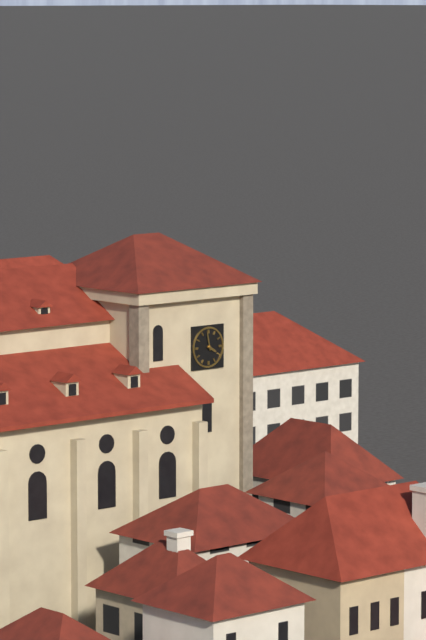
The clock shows h=3 m=58
